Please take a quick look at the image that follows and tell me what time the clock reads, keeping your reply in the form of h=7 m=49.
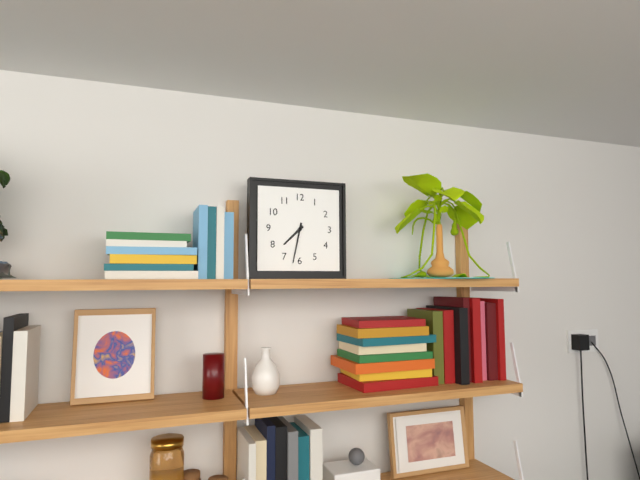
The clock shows h=7 m=32
